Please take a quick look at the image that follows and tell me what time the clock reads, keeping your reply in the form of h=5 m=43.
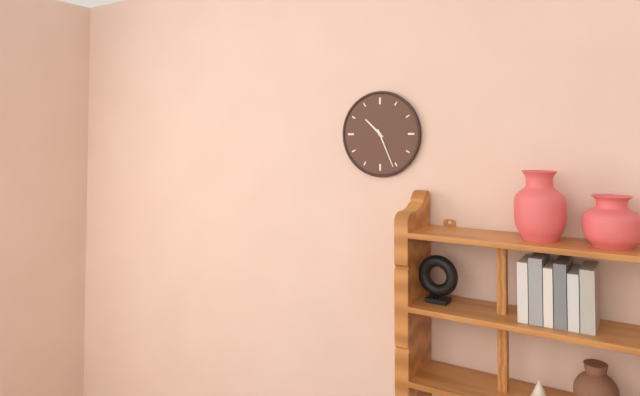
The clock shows h=10 m=26
